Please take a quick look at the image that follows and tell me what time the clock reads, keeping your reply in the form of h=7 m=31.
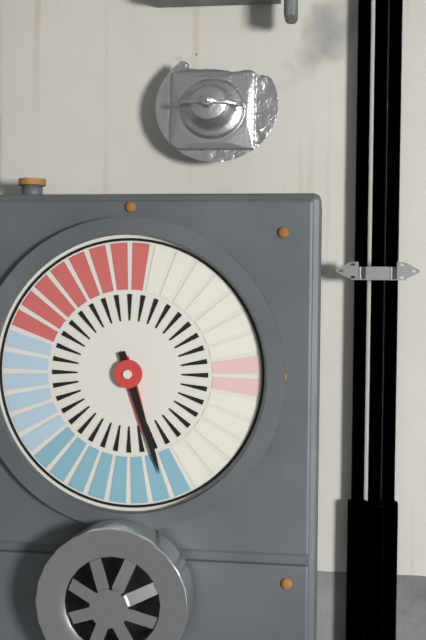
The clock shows h=5 m=27
